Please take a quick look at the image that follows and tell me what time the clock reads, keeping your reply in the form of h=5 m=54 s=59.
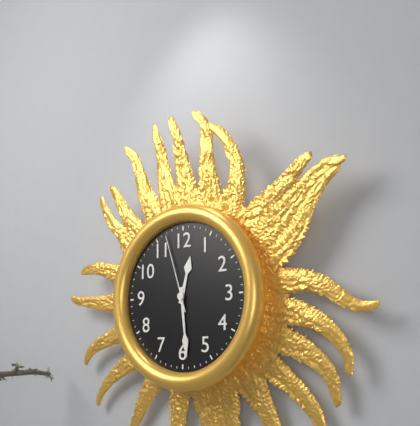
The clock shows h=12 m=29 s=57
